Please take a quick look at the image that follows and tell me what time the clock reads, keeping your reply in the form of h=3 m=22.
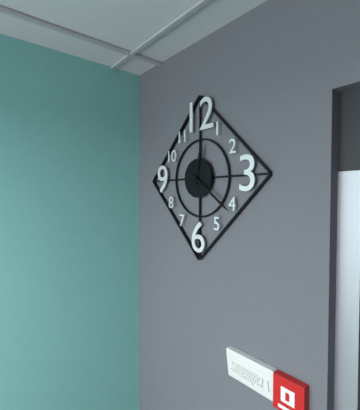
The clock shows h=12 m=21
